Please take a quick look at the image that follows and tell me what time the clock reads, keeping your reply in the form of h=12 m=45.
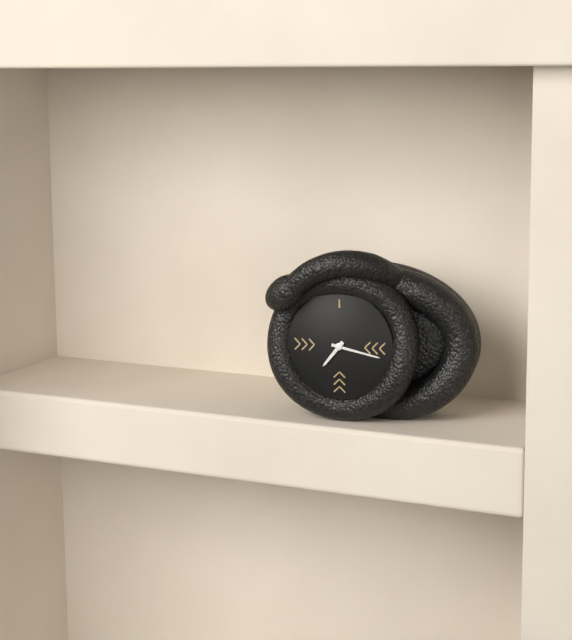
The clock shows h=7 m=17
